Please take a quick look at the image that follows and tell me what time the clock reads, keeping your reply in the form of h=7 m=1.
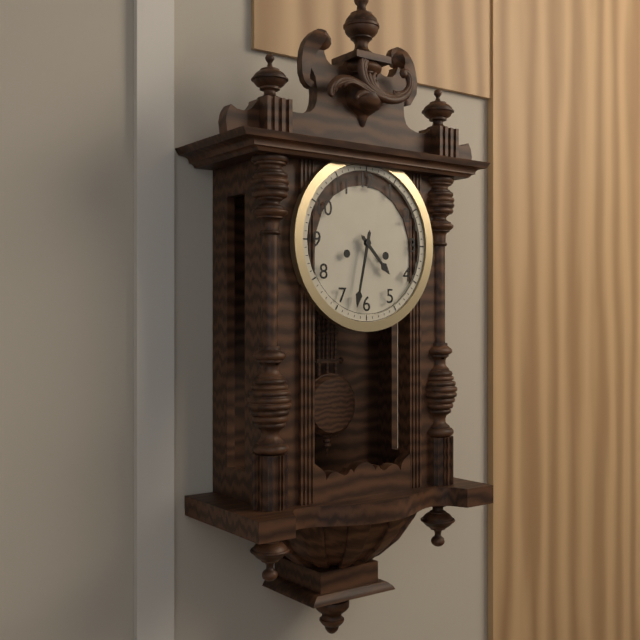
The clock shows h=4 m=32
